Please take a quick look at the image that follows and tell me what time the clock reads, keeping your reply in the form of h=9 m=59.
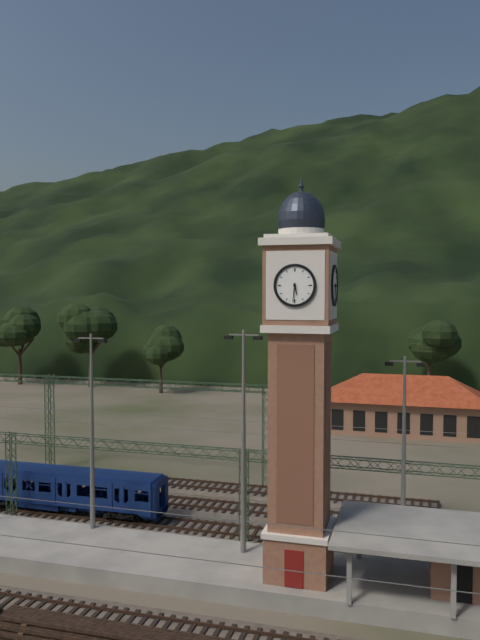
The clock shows h=5 m=31
